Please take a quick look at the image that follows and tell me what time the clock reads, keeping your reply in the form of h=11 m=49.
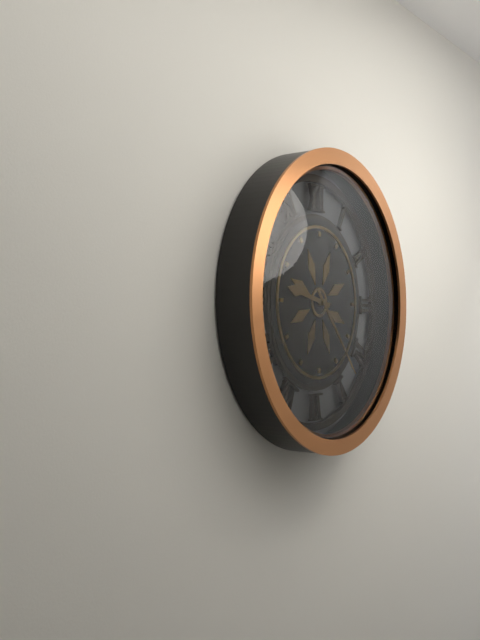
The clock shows h=9 m=23
